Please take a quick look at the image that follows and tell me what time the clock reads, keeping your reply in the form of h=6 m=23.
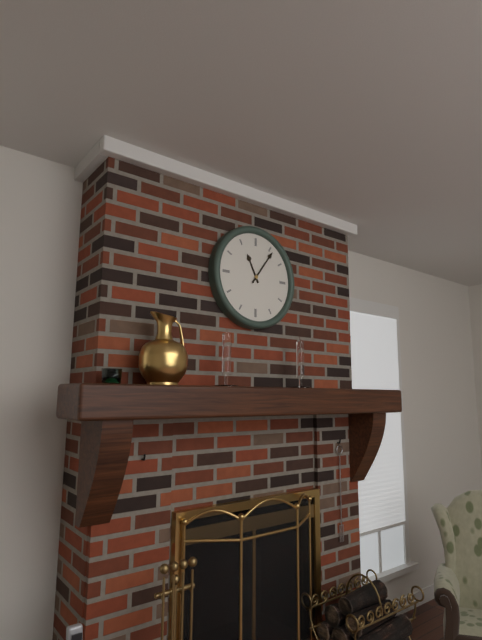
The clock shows h=11 m=6
